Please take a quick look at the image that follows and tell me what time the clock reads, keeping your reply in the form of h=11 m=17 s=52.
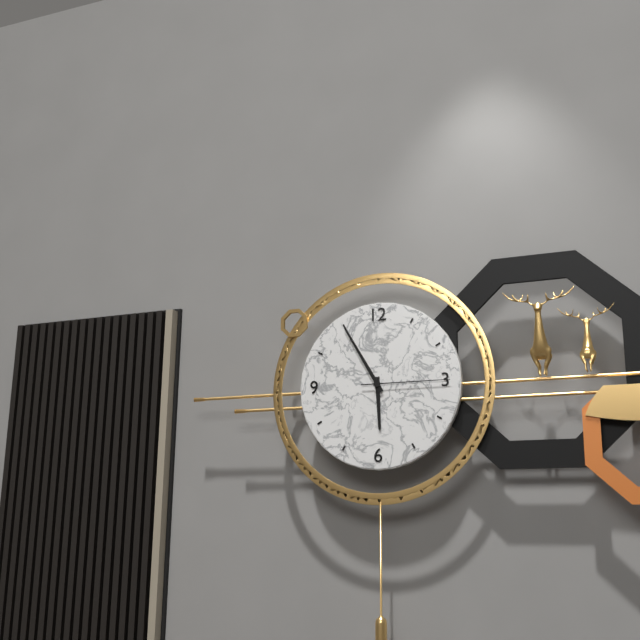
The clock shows h=5 m=55 s=15
